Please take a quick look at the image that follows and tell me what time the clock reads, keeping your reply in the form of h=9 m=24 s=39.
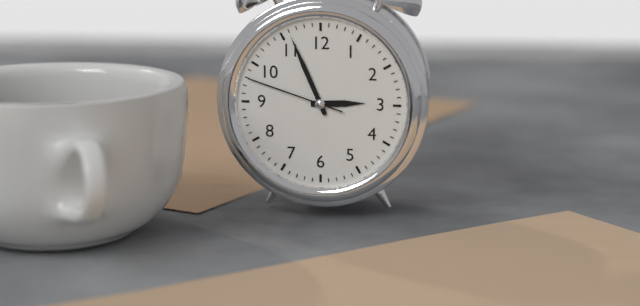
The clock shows h=2 m=56 s=48
